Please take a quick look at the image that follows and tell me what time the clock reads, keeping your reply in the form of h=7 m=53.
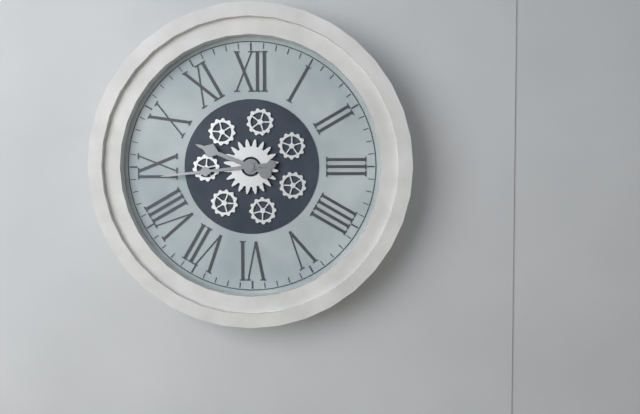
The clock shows h=9 m=44
